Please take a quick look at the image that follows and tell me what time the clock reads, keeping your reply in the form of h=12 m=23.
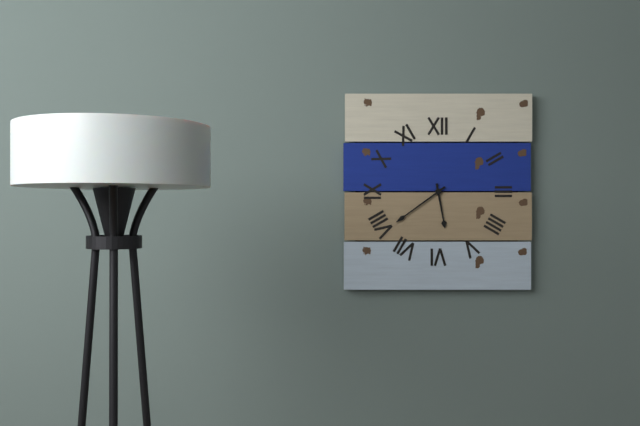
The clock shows h=5 m=39
